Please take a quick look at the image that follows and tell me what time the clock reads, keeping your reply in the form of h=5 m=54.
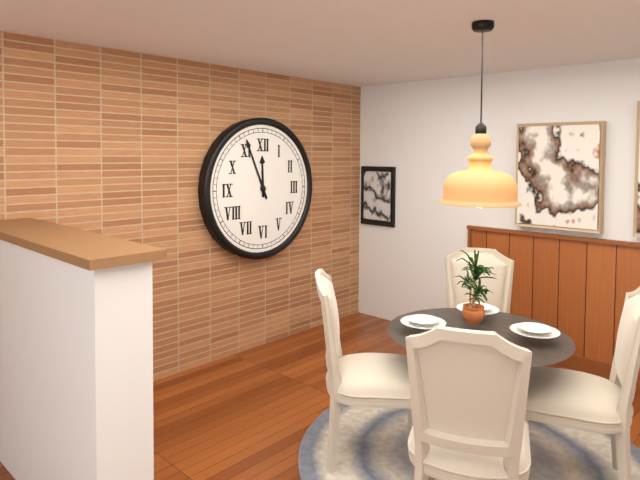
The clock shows h=11 m=56
